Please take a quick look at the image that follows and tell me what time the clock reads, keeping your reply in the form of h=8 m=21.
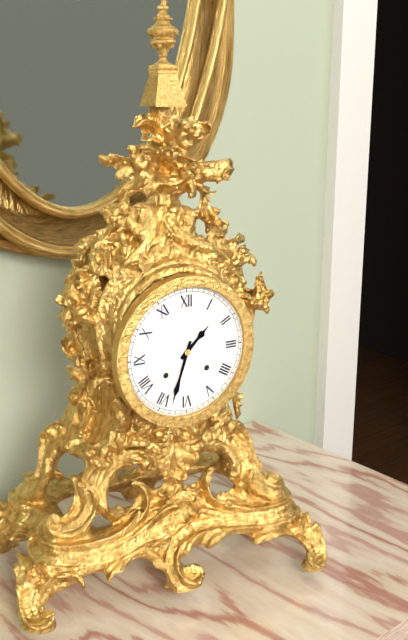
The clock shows h=1 m=33
